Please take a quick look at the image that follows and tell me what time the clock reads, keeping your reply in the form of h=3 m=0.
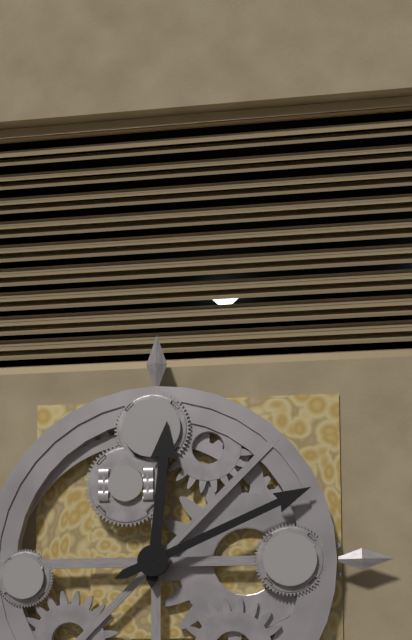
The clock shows h=12 m=11
